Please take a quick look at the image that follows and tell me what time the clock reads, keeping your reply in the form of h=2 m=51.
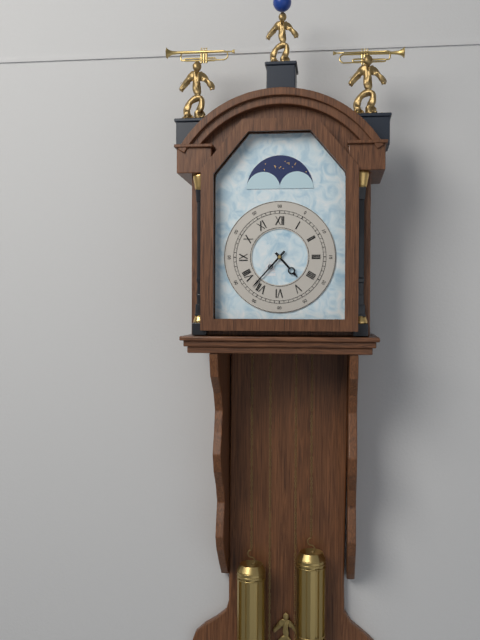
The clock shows h=4 m=37
